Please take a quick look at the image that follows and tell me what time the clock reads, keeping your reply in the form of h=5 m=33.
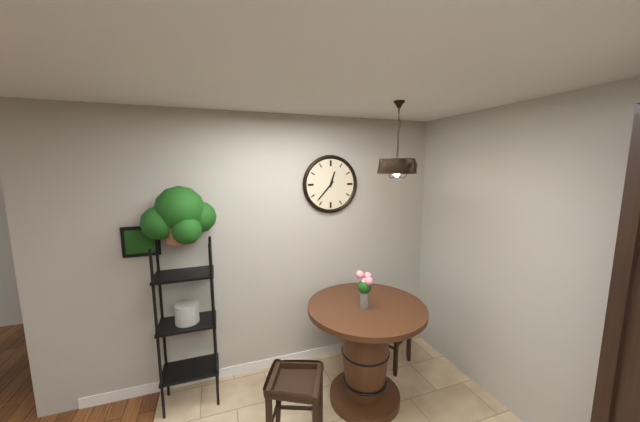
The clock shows h=12 m=37
